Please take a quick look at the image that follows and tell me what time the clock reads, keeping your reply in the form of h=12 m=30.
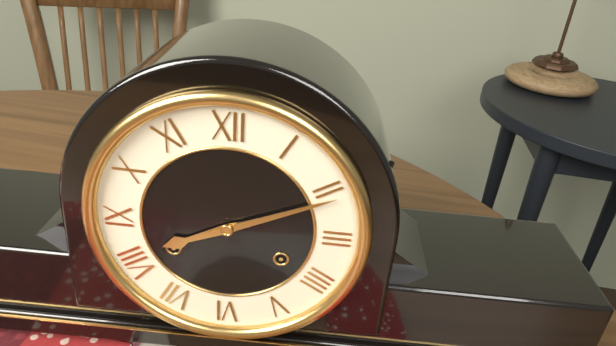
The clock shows h=8 m=11
